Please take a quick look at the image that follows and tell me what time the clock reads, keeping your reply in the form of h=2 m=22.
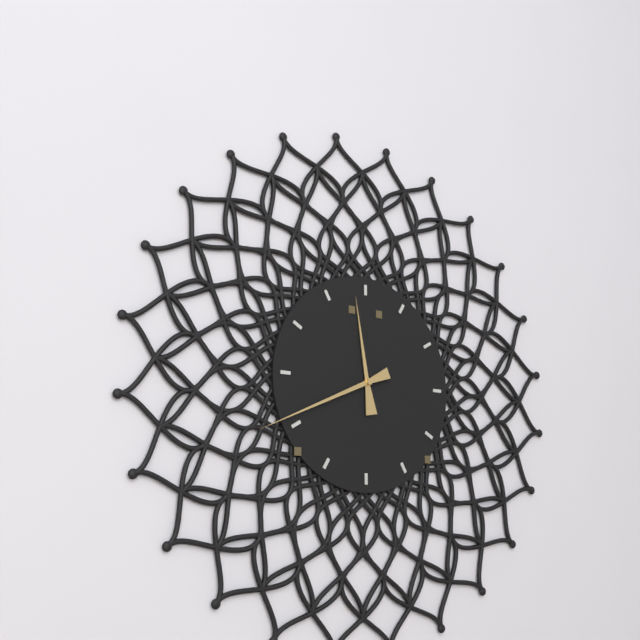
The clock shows h=11 m=41
